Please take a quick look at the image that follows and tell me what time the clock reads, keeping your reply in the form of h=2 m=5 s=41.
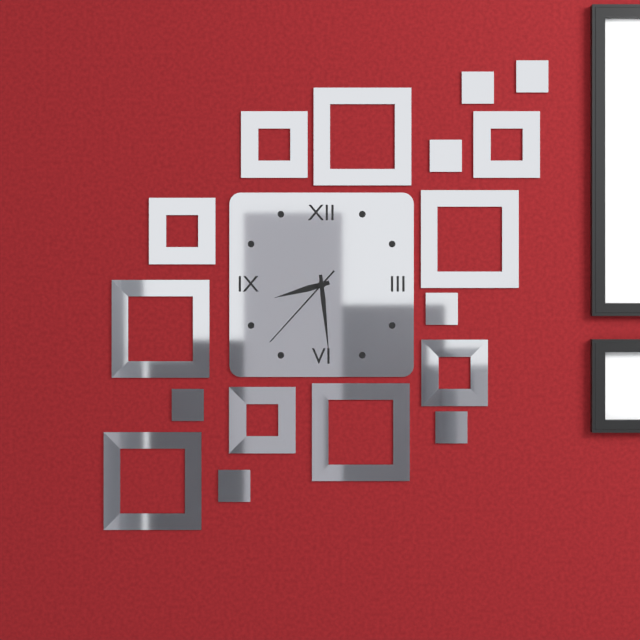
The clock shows h=8 m=29 s=37
